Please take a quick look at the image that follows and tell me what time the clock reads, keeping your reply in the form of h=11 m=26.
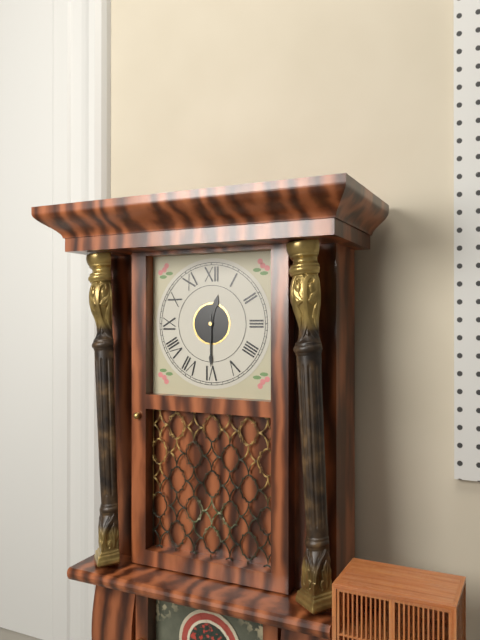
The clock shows h=12 m=30
